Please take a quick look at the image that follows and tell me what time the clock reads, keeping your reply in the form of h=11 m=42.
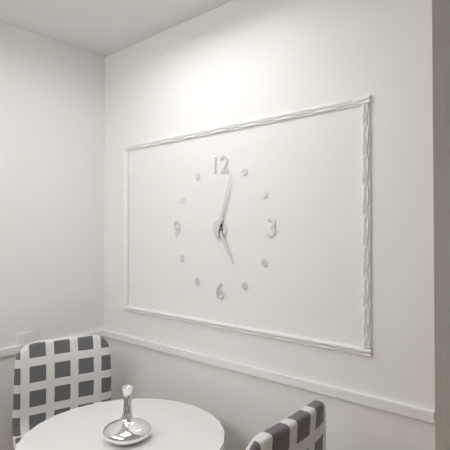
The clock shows h=5 m=3
